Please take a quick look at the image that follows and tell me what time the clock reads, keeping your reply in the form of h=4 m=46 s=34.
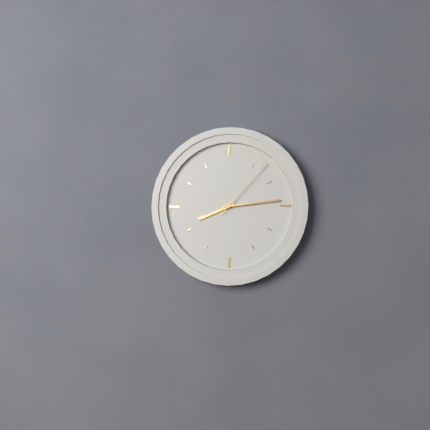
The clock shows h=8 m=14 s=7
